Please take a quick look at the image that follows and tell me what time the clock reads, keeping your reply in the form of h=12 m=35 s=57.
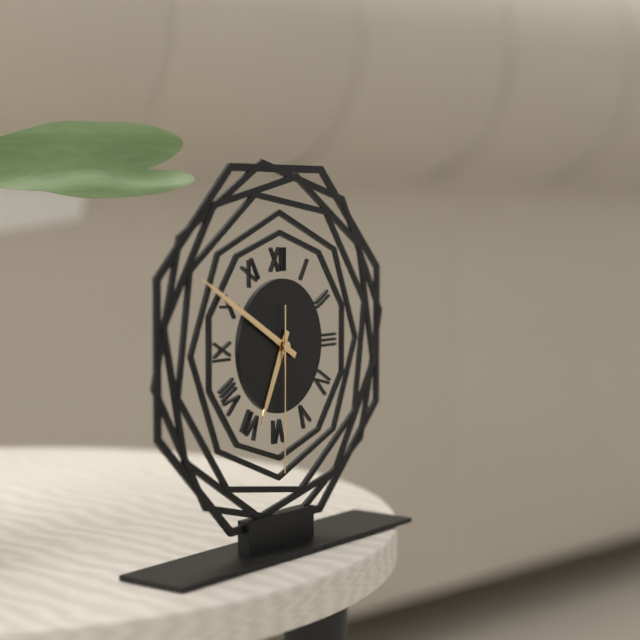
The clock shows h=6 m=50 s=30
